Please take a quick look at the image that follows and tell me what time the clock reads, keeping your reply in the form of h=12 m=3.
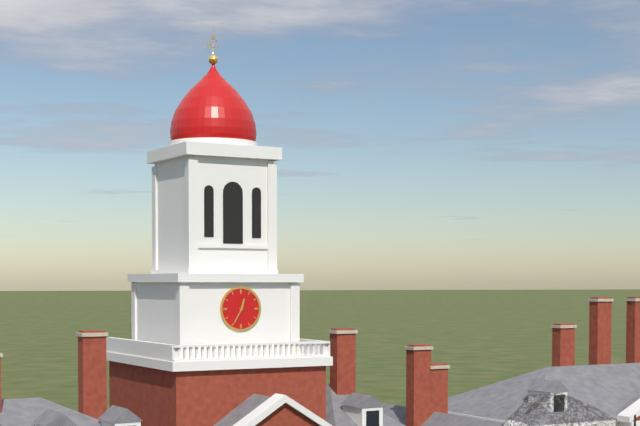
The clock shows h=12 m=35
